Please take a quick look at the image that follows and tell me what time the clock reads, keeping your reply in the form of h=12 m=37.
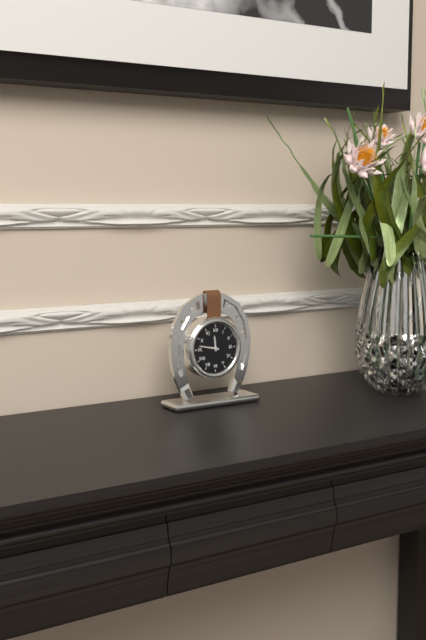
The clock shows h=11 m=47
